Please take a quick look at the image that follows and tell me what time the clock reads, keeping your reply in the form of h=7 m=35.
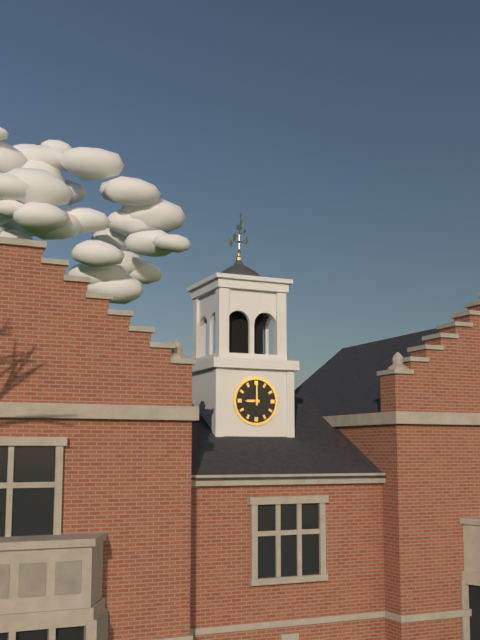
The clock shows h=9 m=0
